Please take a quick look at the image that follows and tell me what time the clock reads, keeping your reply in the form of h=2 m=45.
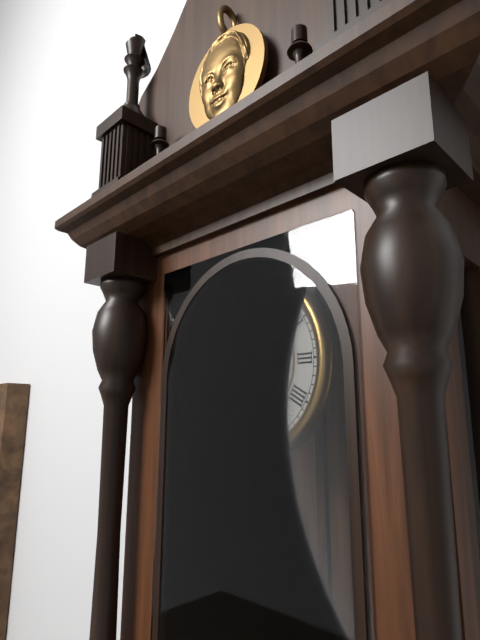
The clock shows h=3 m=1
